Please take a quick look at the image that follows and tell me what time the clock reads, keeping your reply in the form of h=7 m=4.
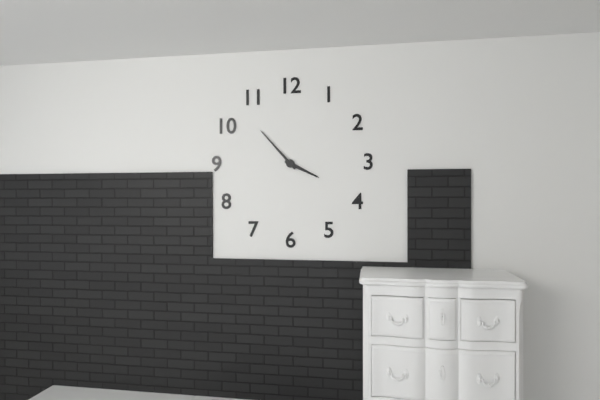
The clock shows h=3 m=53
